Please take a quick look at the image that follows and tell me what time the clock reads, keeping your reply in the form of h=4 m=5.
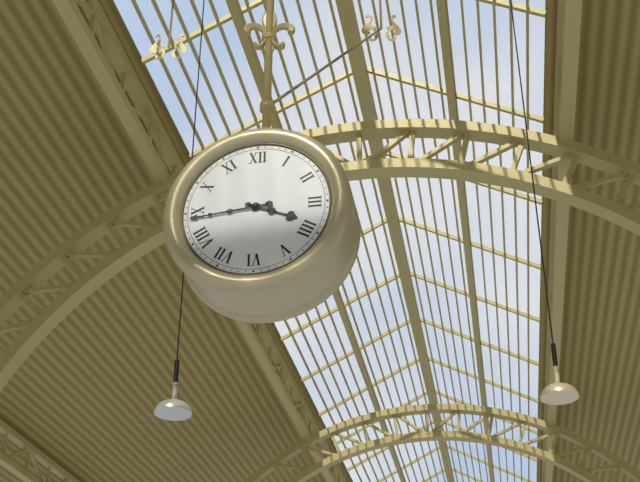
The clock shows h=3 m=44
